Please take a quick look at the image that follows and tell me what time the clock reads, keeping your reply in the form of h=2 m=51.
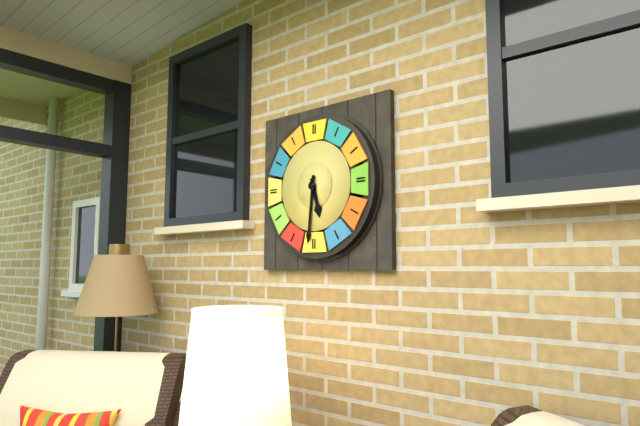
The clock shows h=5 m=31
